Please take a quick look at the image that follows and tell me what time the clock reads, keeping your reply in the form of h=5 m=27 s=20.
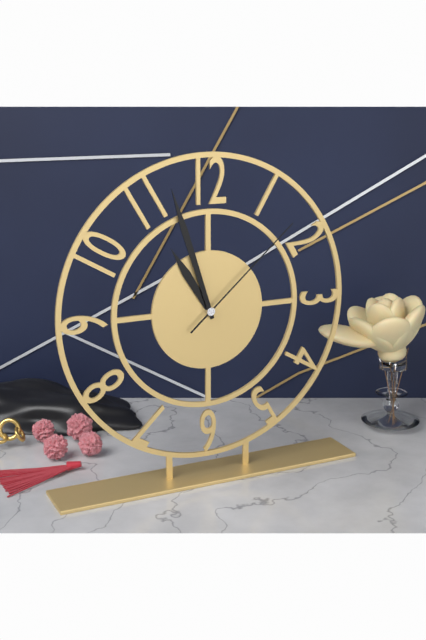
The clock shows h=10 m=57 s=8
